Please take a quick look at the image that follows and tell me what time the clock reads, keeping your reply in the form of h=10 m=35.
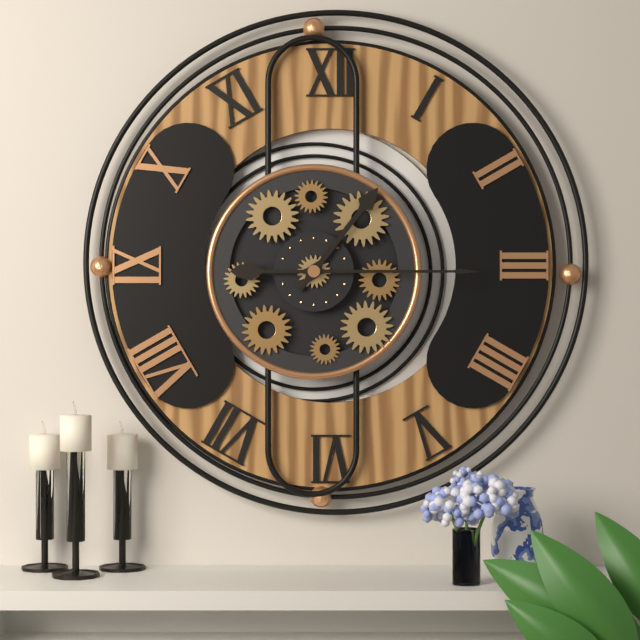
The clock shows h=1 m=15
